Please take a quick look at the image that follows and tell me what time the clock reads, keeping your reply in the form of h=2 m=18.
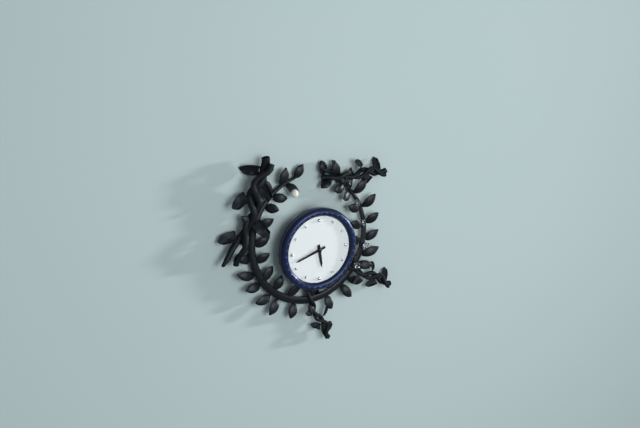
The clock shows h=5 m=42
